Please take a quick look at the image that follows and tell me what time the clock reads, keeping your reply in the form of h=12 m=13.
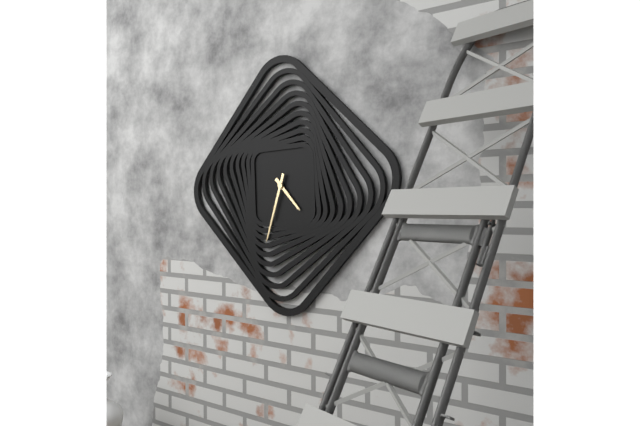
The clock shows h=4 m=33
